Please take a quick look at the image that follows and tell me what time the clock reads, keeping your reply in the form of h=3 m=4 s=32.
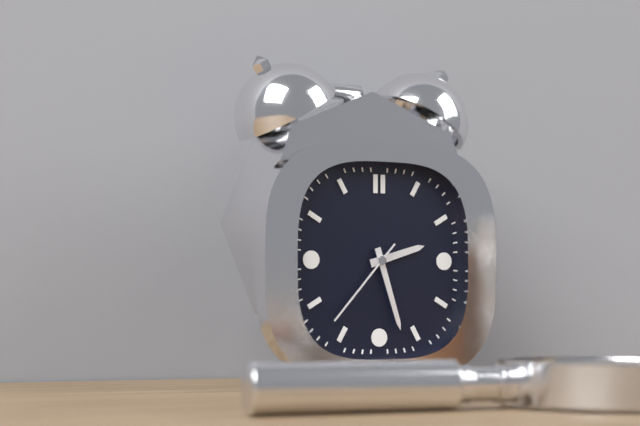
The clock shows h=2 m=27 s=37
